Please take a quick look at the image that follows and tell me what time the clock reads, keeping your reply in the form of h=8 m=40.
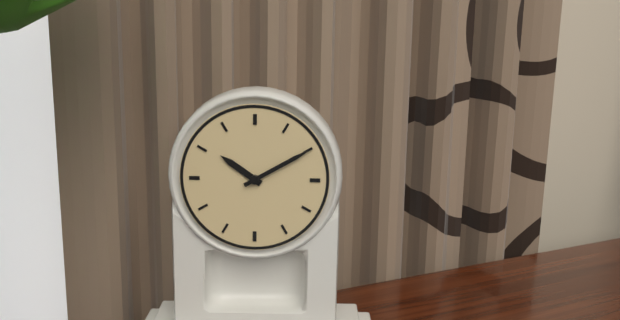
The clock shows h=10 m=10
